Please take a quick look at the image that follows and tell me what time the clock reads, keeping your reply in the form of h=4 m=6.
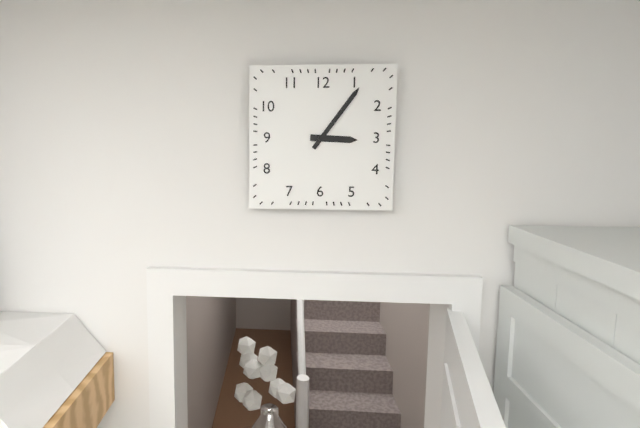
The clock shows h=3 m=6
